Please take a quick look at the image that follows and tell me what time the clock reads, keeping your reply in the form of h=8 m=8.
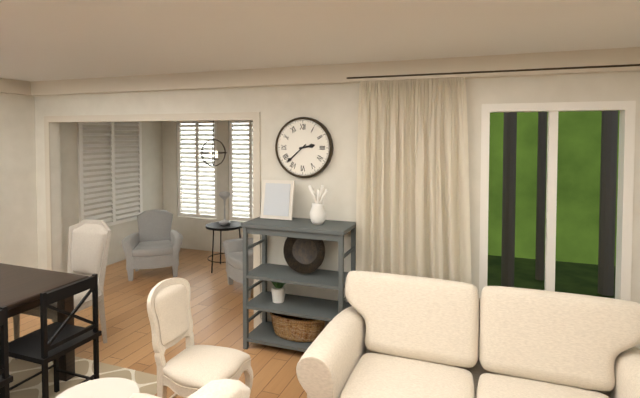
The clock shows h=2 m=38
